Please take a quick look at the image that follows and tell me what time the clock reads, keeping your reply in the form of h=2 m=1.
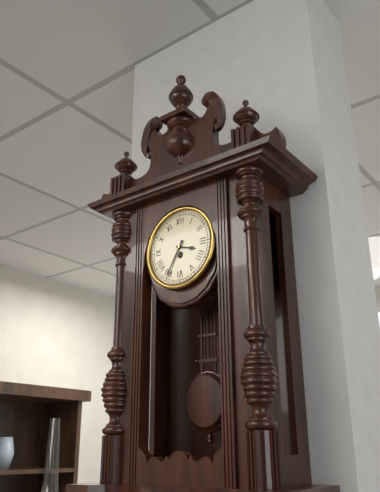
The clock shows h=3 m=35
